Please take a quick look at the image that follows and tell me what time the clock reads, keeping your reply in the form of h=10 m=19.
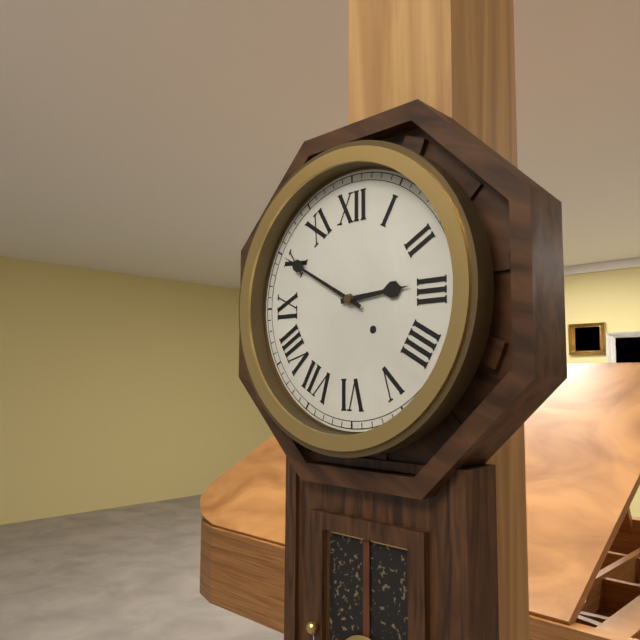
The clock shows h=2 m=50
